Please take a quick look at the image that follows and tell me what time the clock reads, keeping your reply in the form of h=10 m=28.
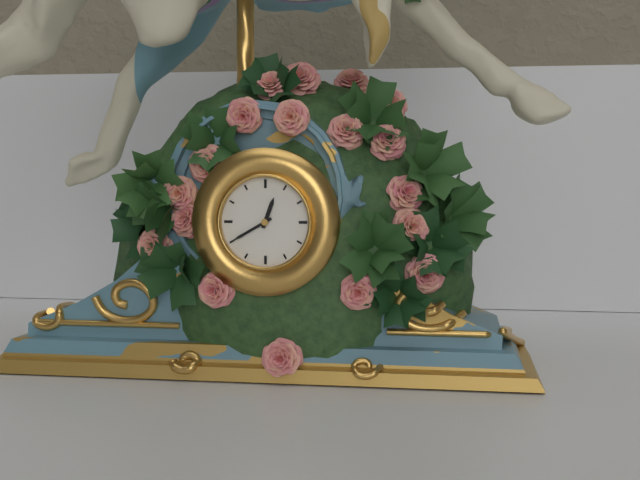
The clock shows h=12 m=40
